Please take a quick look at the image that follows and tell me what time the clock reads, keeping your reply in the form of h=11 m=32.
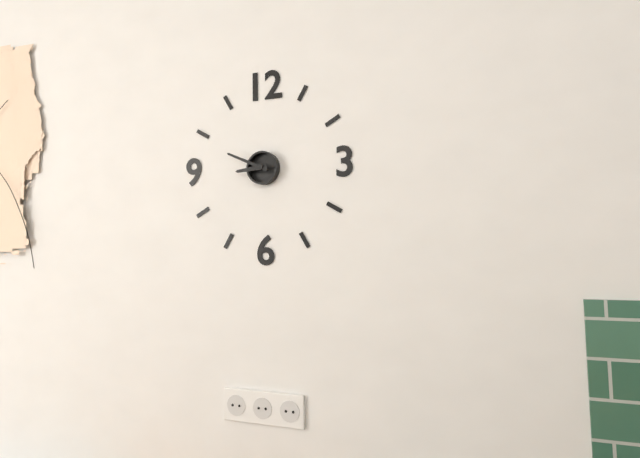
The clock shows h=8 m=49
